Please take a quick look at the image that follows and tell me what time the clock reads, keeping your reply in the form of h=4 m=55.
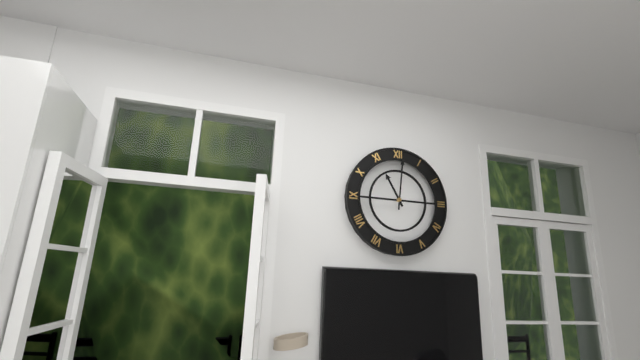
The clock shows h=11 m=1
